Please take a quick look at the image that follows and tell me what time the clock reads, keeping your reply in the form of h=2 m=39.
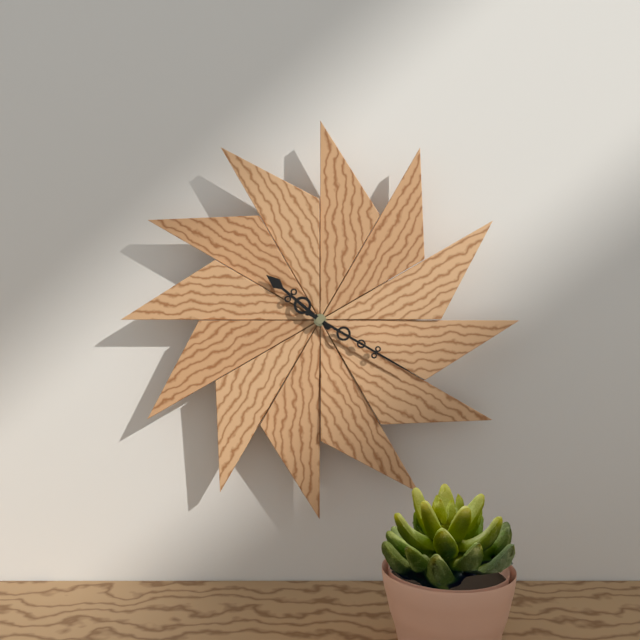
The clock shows h=10 m=20
